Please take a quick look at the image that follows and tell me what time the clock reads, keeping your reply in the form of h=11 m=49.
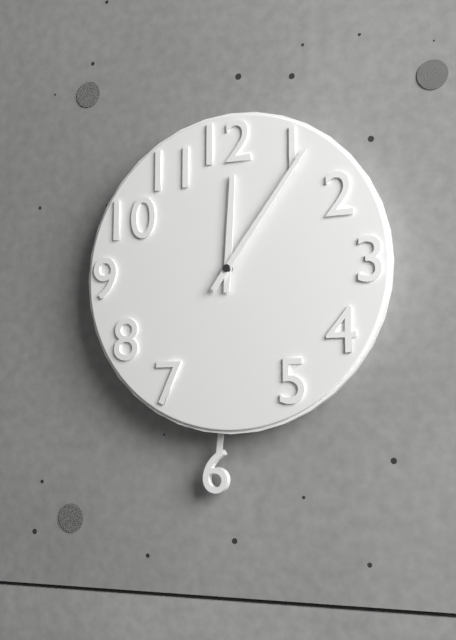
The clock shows h=12 m=6
